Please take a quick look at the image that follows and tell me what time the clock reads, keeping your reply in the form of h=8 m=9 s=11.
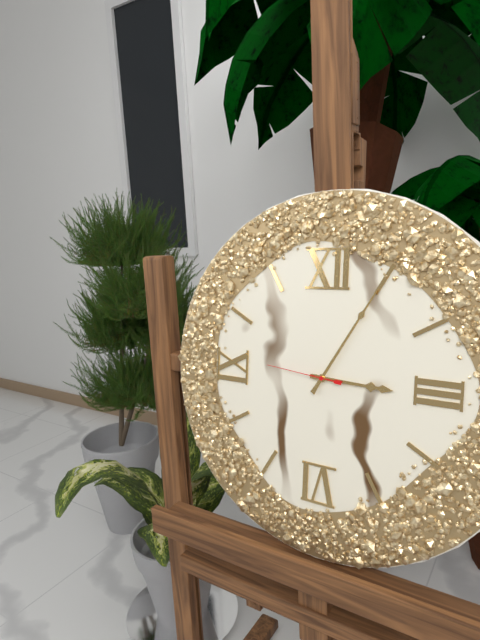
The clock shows h=3 m=5 s=46
